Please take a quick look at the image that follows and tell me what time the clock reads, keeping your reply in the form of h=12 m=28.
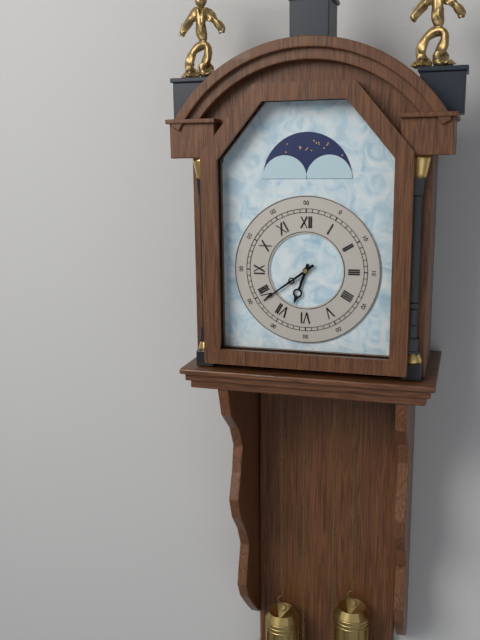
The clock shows h=6 m=39
